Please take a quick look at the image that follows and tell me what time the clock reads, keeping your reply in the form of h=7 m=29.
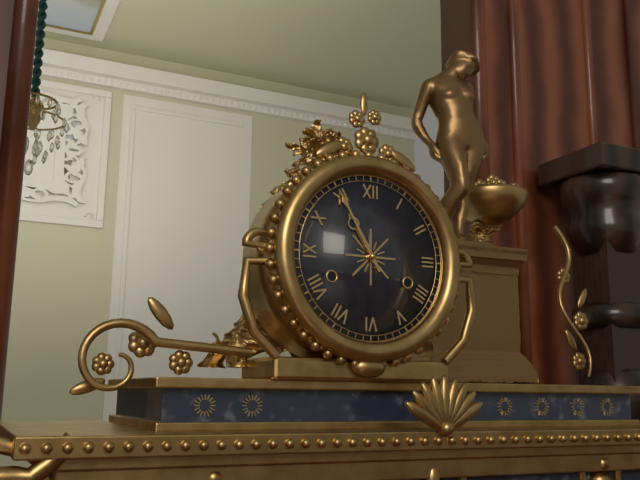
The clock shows h=10 m=55
